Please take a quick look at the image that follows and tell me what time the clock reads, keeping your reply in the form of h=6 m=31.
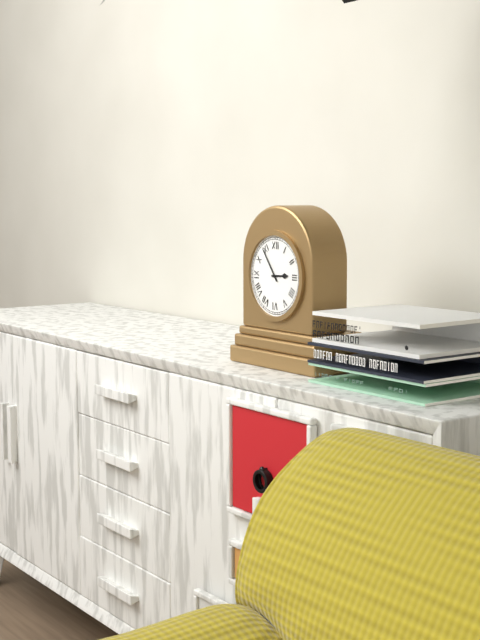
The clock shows h=2 m=54
